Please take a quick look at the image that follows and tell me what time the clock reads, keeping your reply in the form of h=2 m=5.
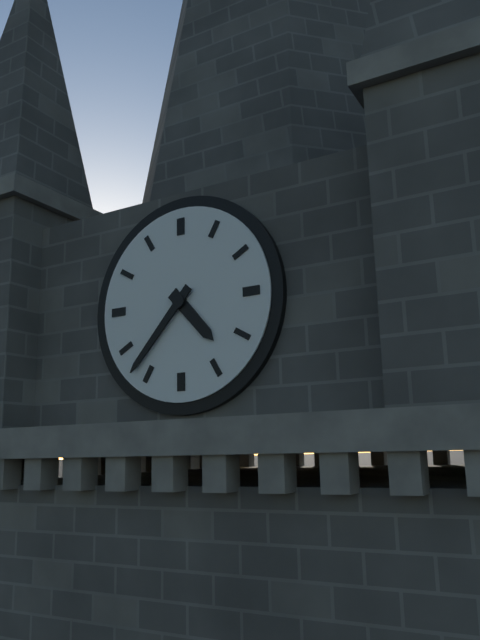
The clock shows h=4 m=37
